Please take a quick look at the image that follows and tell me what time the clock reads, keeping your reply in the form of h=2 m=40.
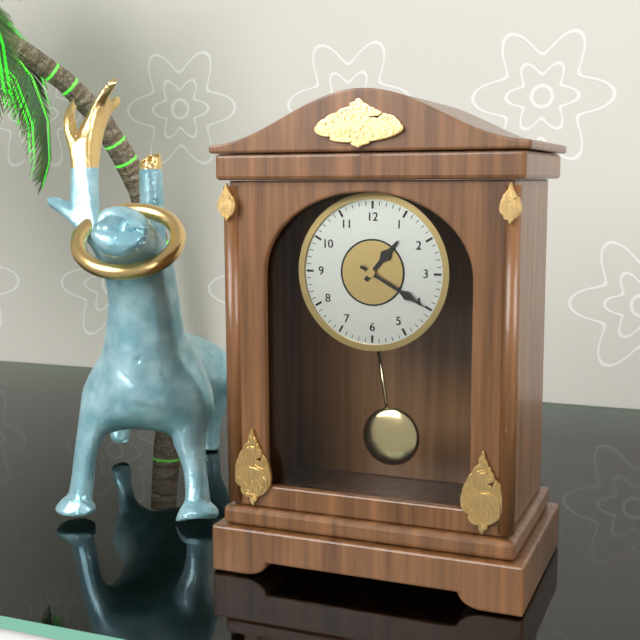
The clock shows h=1 m=20
